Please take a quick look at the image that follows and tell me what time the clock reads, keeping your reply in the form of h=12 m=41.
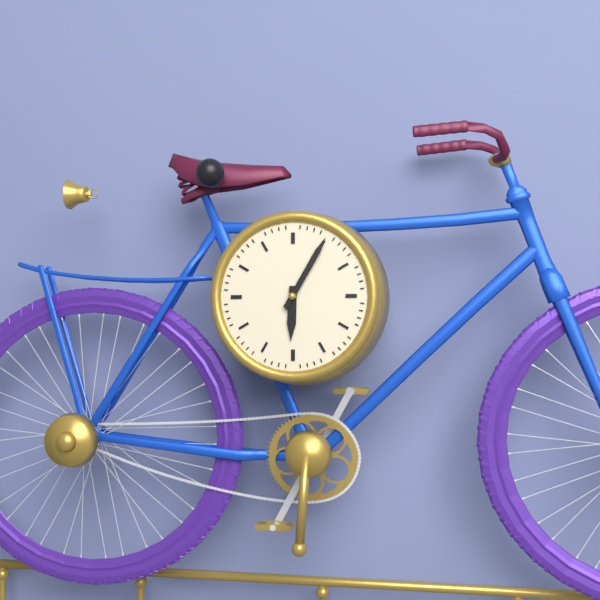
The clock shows h=6 m=5
